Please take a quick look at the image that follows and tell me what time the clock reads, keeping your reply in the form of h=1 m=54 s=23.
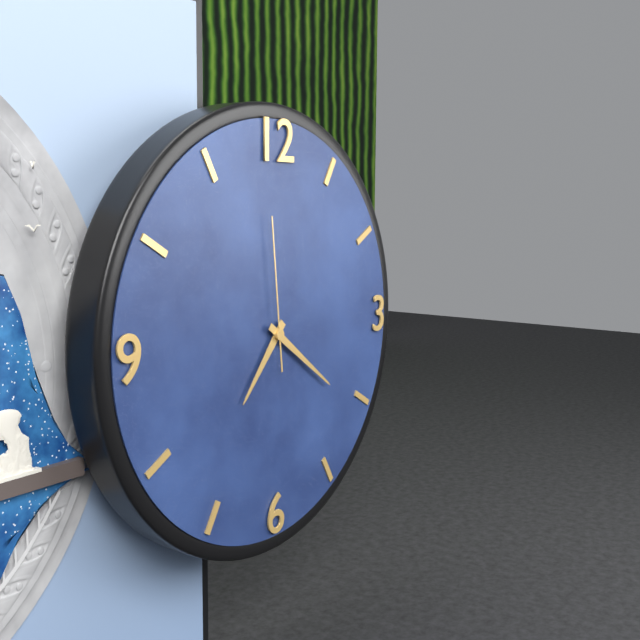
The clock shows h=7 m=21 s=59
